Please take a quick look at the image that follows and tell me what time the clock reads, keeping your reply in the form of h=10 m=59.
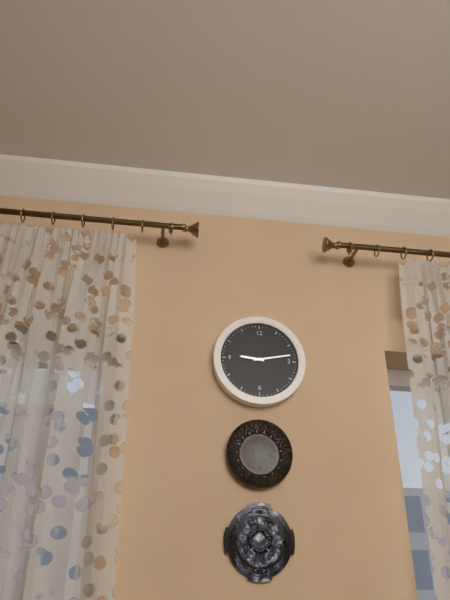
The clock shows h=9 m=13
